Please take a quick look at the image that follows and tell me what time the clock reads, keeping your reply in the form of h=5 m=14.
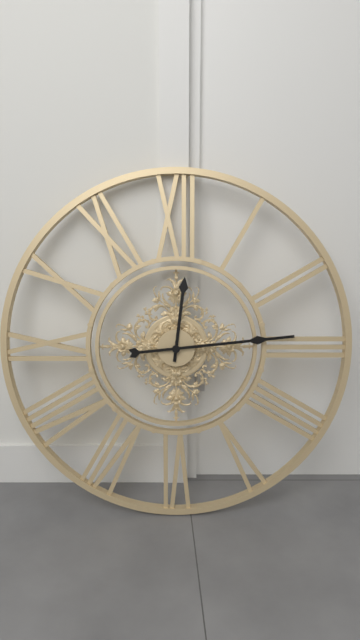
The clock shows h=12 m=14
